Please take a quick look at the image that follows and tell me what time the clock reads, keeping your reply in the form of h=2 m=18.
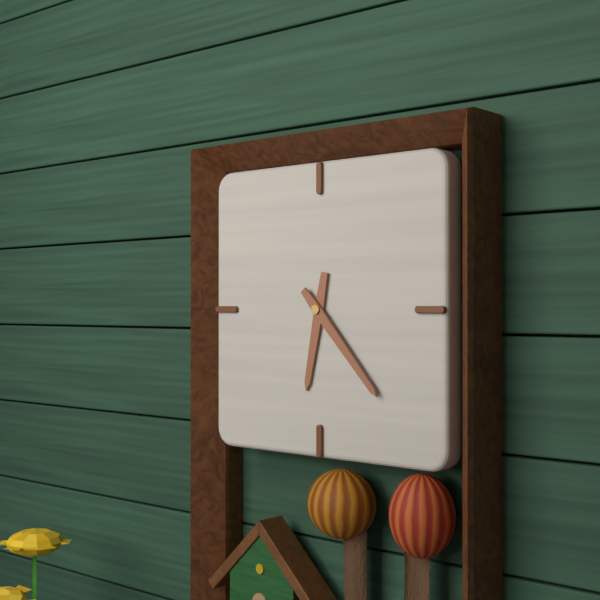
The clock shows h=6 m=23
